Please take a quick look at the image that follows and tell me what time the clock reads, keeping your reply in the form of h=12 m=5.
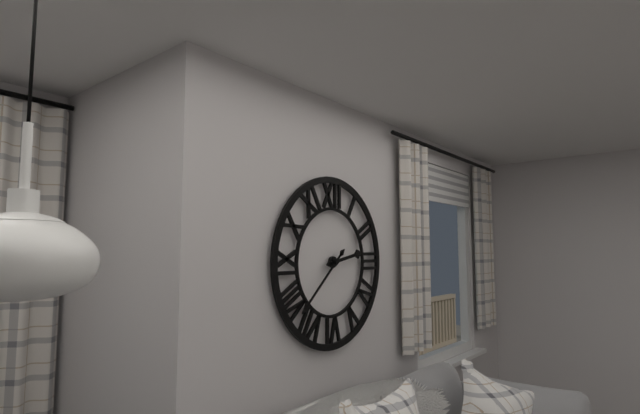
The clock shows h=2 m=38
